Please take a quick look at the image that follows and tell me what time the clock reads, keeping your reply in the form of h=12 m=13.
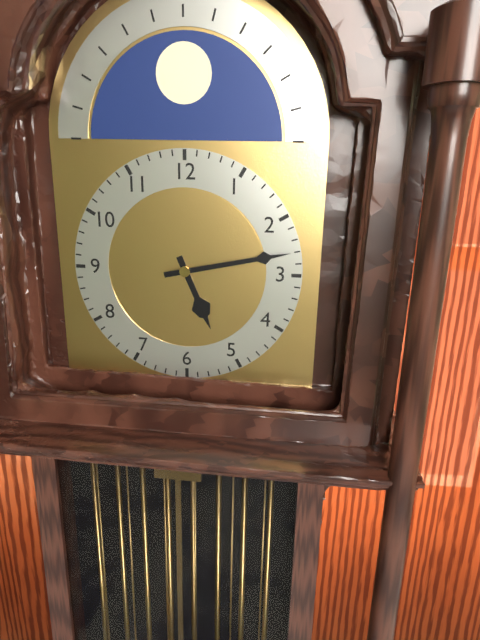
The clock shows h=5 m=13
